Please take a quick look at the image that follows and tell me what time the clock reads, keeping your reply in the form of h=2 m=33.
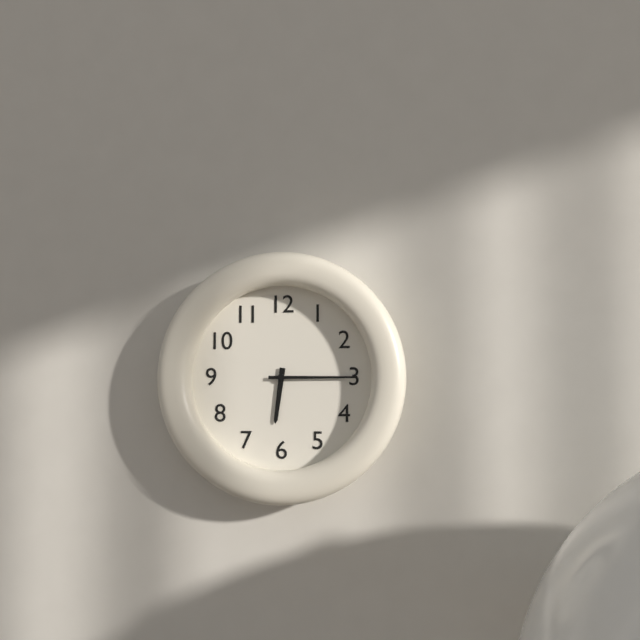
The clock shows h=6 m=15
